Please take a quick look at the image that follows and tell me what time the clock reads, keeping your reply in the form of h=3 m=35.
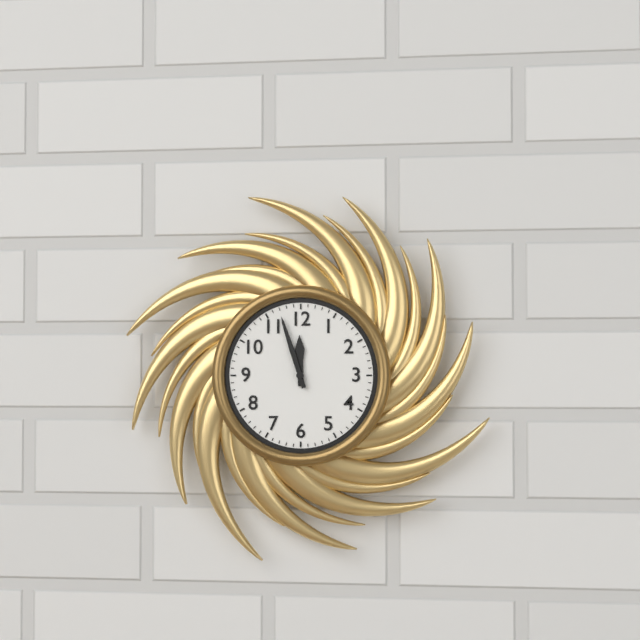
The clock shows h=11 m=57
